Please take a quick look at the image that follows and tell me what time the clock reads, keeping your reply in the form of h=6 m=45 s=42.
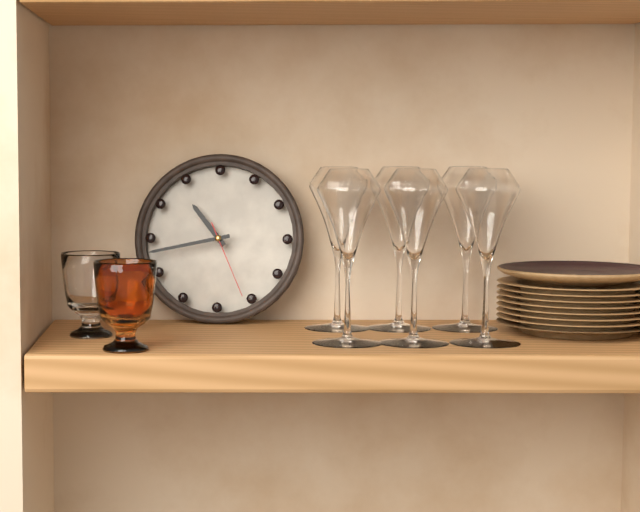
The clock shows h=10 m=43 s=26
